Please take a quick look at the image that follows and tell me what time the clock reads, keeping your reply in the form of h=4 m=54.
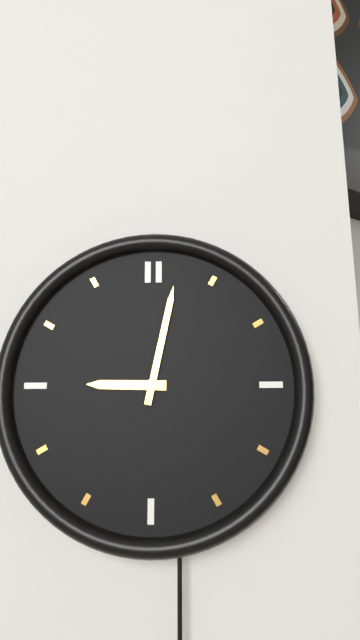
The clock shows h=9 m=2
